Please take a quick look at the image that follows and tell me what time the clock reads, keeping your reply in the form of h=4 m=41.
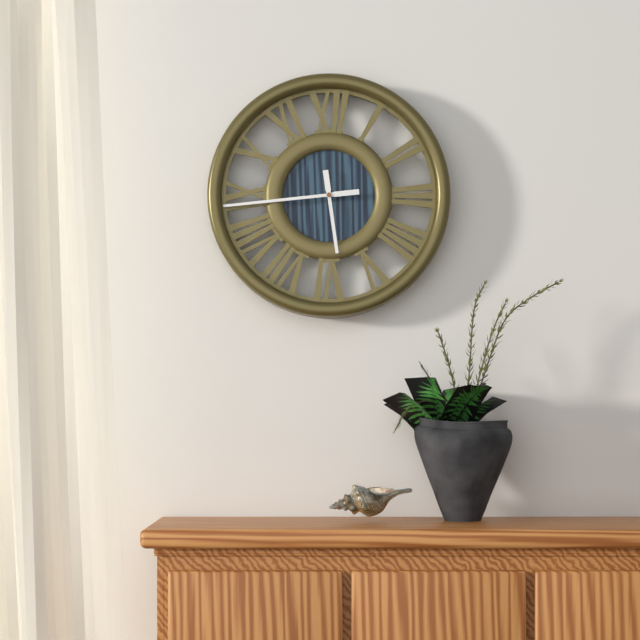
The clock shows h=5 m=44
